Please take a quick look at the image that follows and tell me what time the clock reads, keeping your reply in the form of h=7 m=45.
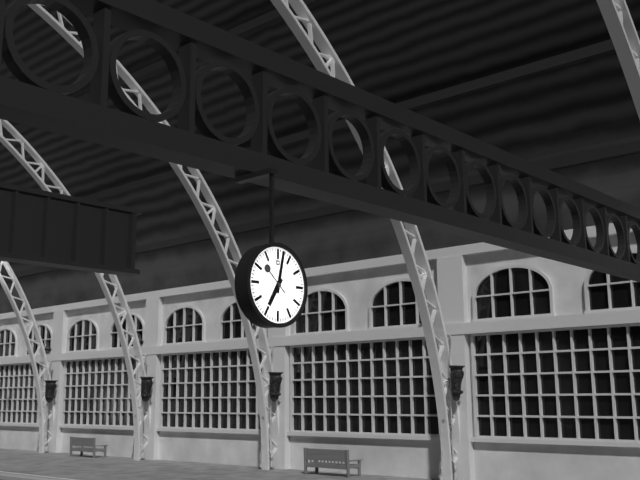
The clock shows h=7 m=2
